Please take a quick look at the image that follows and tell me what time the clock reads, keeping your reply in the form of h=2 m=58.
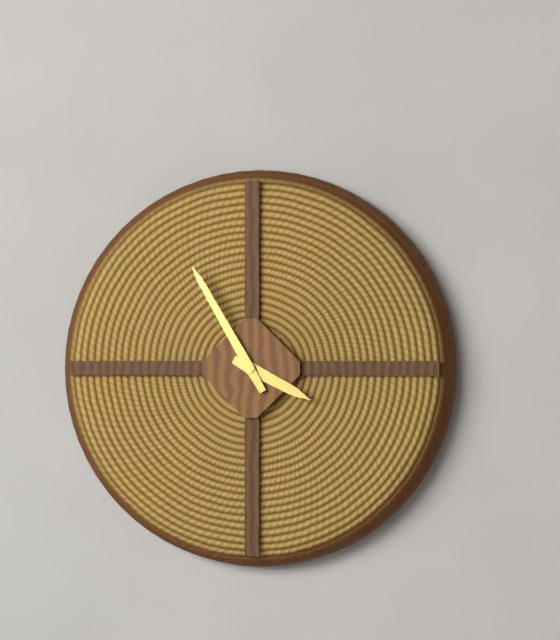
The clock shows h=3 m=55
